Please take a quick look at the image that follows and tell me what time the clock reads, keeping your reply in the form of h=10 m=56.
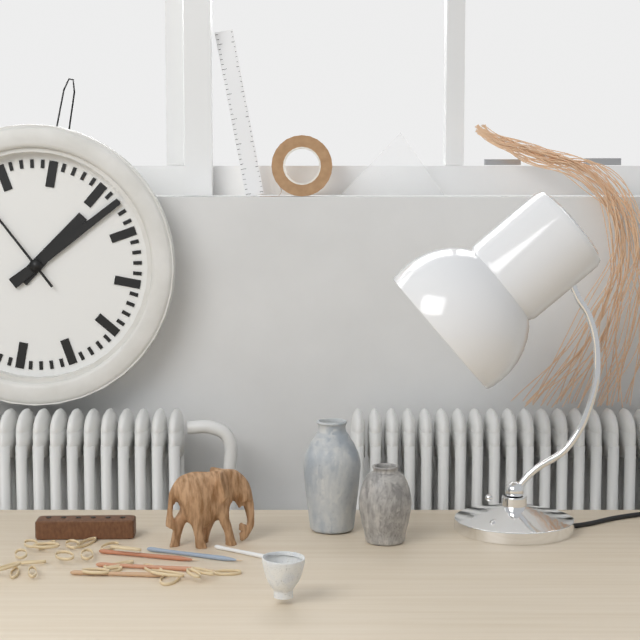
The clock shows h=1 m=7
